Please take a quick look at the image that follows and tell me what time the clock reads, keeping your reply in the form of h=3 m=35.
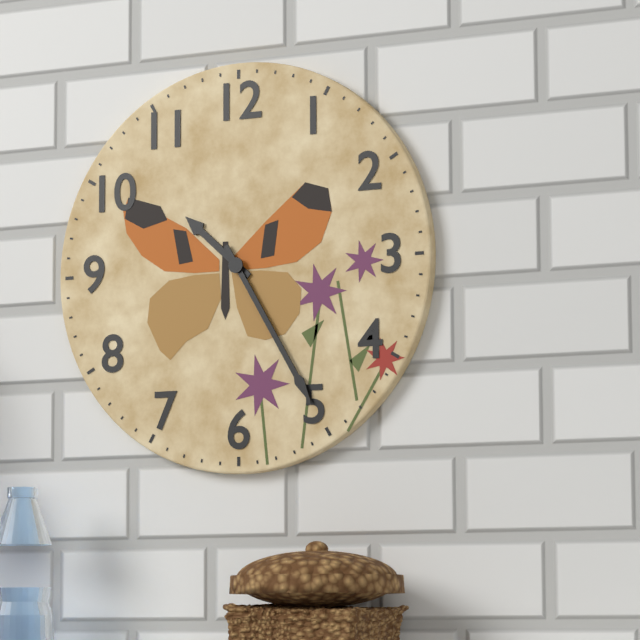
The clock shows h=10 m=25
